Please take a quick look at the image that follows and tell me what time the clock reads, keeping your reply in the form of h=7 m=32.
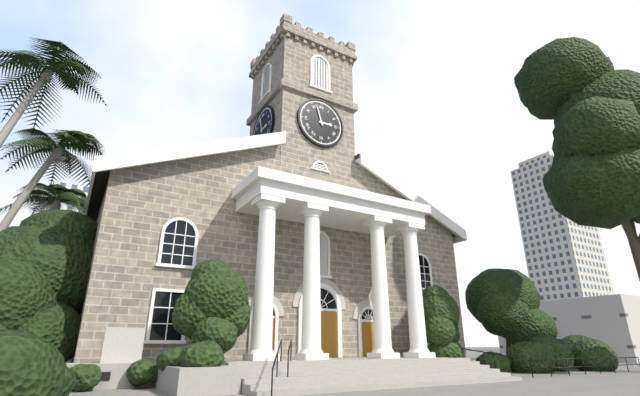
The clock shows h=2 m=57
